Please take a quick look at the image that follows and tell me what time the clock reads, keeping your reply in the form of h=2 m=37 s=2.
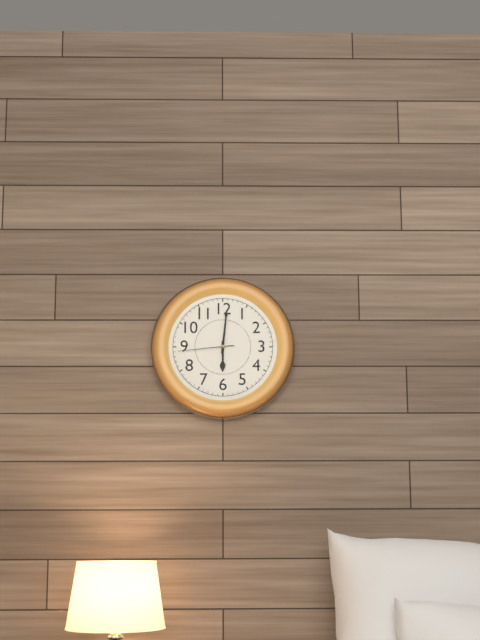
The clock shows h=6 m=1 s=44
